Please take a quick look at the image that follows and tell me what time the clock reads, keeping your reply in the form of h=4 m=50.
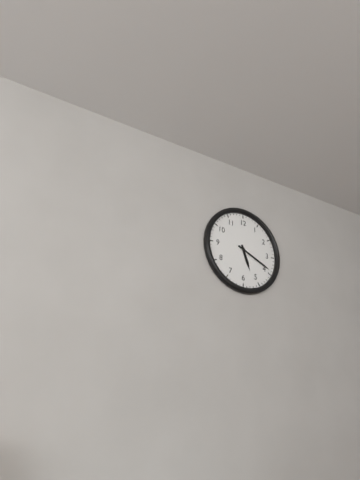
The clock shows h=5 m=19
